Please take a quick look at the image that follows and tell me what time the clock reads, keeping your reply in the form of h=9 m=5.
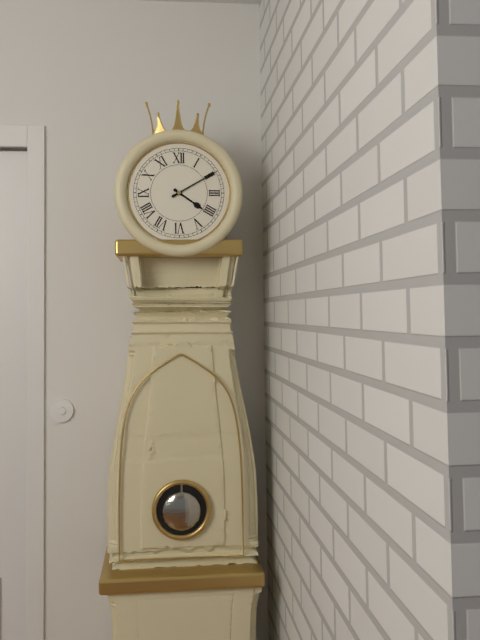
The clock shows h=4 m=10
